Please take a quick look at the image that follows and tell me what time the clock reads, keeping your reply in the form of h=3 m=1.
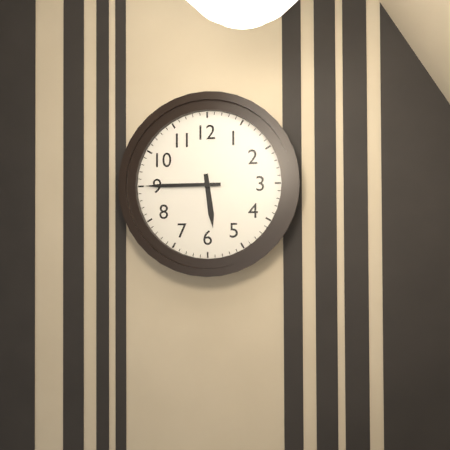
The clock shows h=5 m=45
